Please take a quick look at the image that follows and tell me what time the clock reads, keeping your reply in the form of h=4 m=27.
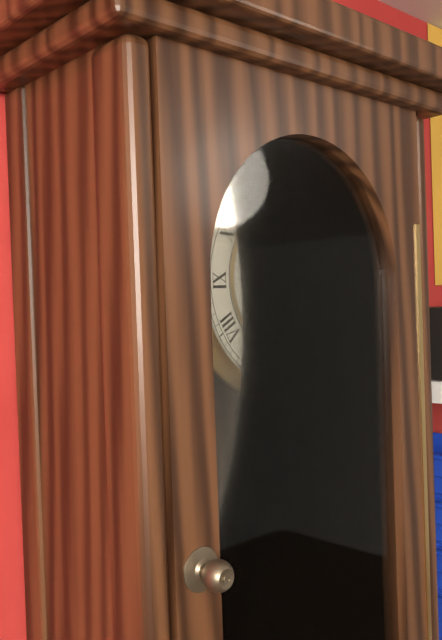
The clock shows h=1 m=24
